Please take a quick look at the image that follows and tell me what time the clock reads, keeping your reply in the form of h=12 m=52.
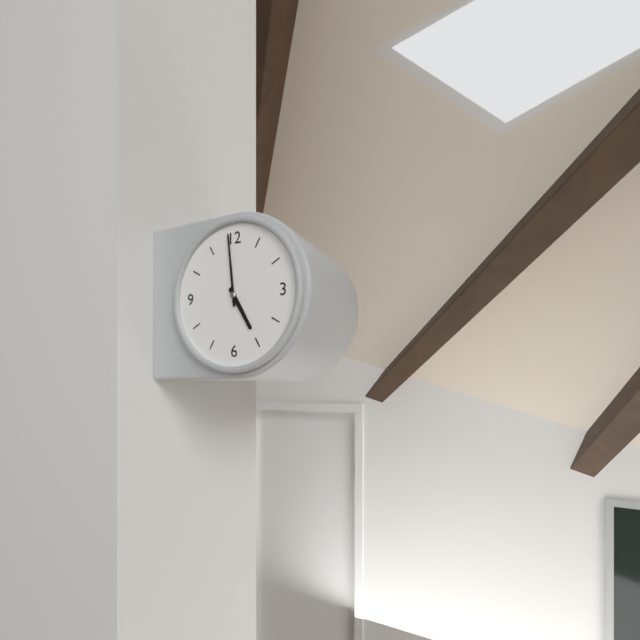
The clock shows h=4 m=59
